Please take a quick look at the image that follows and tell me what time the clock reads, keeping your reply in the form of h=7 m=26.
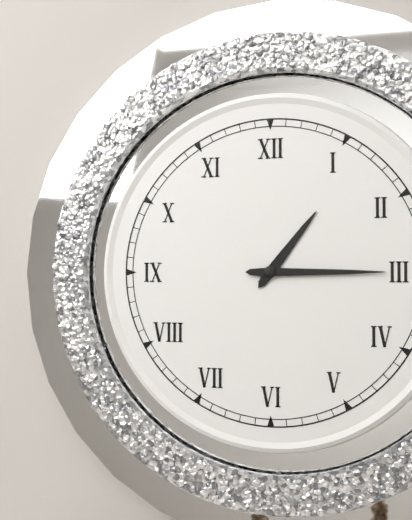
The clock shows h=1 m=15
